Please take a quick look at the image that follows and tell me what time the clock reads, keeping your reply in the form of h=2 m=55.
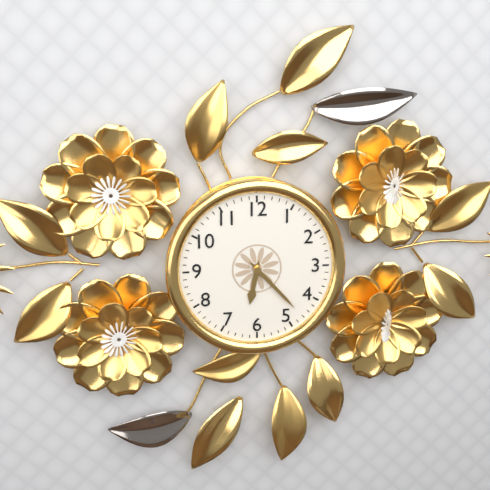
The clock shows h=6 m=23
